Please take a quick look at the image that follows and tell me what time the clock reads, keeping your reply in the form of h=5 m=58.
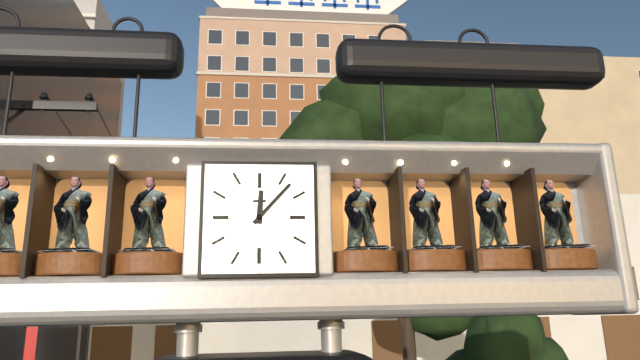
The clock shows h=12 m=7
